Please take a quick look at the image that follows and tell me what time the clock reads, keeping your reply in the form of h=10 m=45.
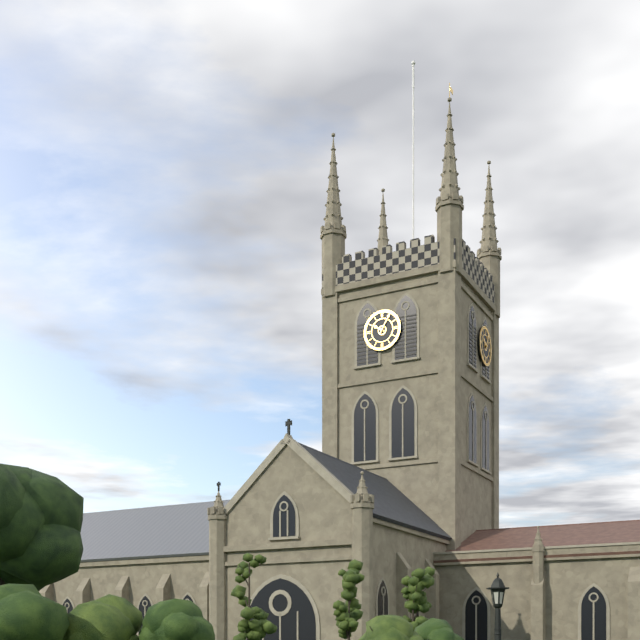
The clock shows h=10 m=5
